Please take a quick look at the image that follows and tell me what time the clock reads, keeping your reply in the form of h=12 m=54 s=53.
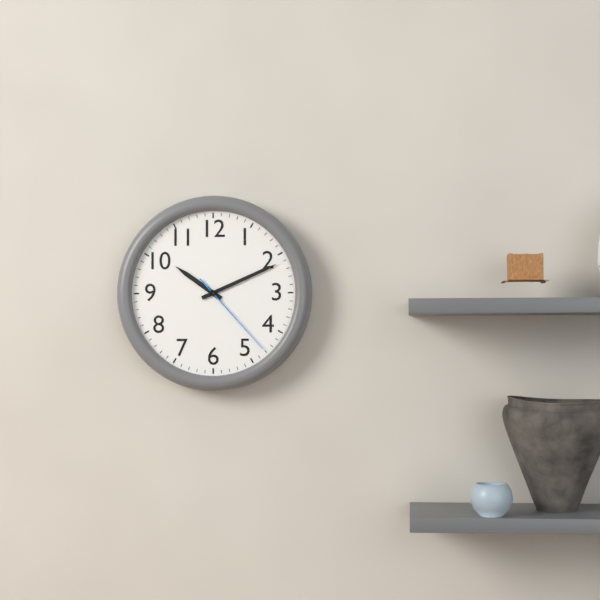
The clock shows h=10 m=11 s=23
